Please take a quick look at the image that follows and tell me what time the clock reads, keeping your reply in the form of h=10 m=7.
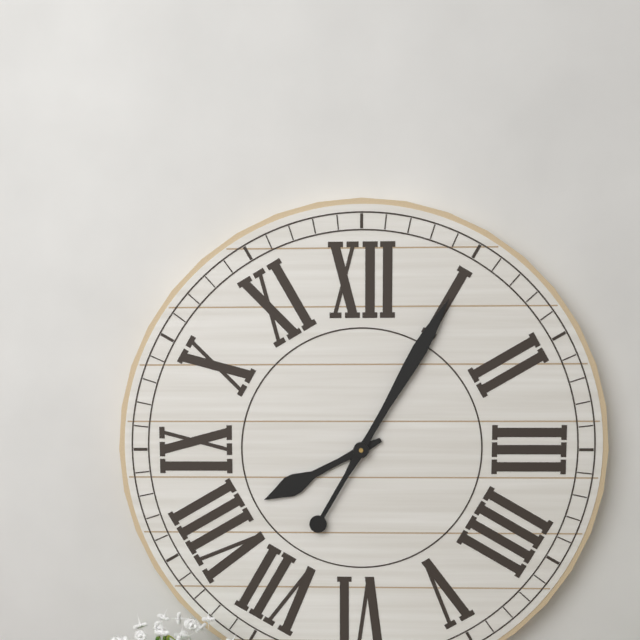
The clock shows h=8 m=5
